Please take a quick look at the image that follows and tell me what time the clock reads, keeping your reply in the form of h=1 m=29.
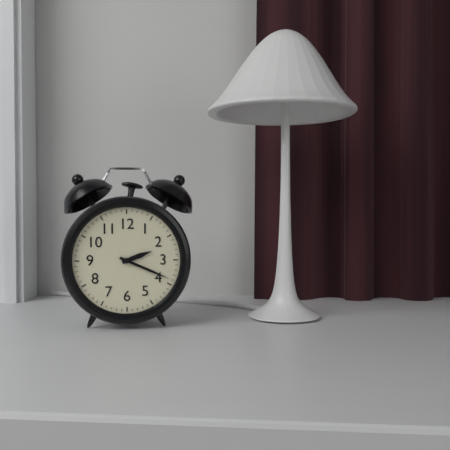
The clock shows h=2 m=19
